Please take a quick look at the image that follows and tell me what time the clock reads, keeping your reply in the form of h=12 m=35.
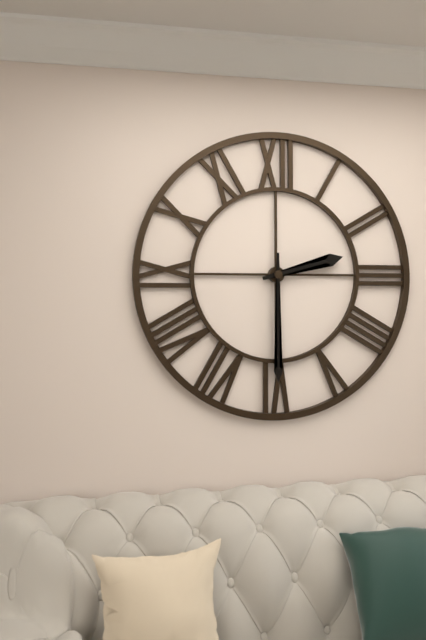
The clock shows h=2 m=30
